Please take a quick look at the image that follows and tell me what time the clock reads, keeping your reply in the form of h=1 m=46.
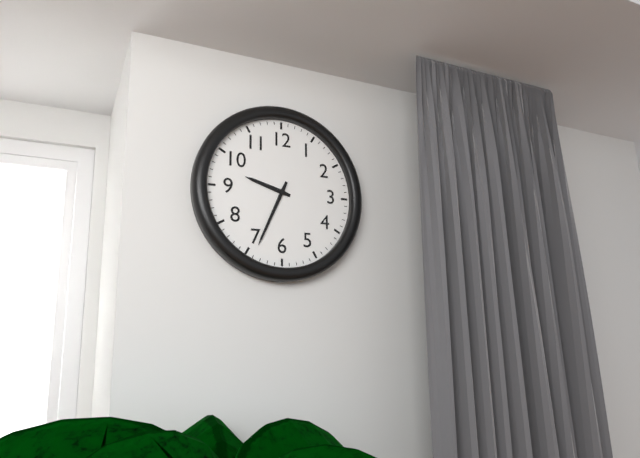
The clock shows h=9 m=34
